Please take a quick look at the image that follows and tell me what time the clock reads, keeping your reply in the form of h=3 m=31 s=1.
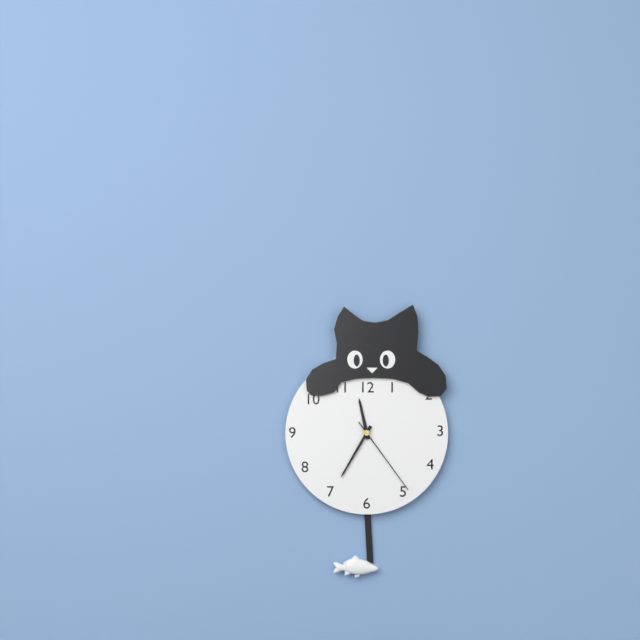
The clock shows h=11 m=35 s=24
